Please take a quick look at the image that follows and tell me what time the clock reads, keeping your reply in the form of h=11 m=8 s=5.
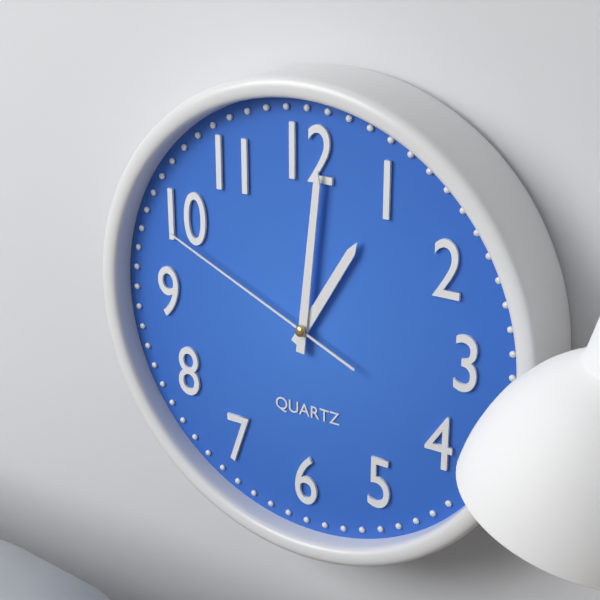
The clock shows h=1 m=1 s=49
